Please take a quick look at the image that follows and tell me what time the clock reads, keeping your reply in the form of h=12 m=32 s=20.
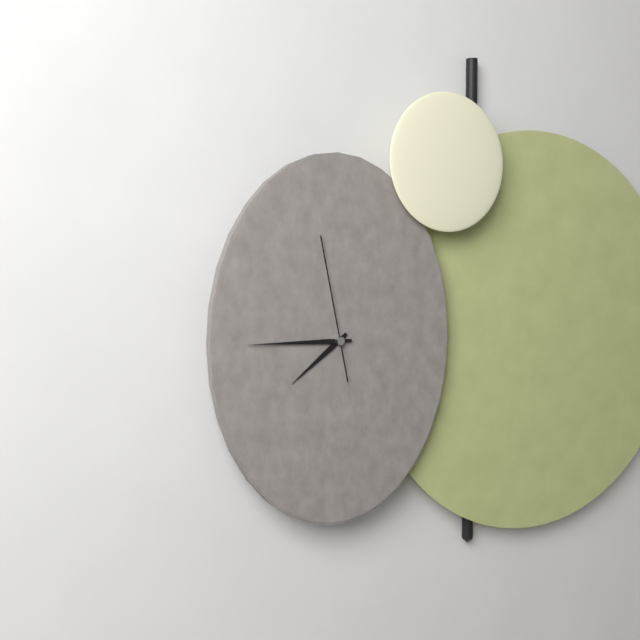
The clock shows h=7 m=45 s=58
